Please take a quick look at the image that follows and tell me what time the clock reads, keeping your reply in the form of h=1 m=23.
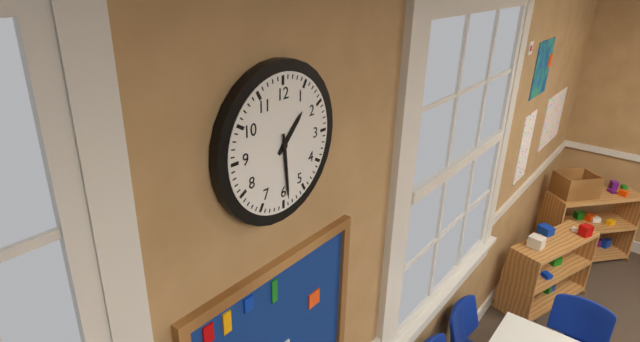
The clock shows h=1 m=29
